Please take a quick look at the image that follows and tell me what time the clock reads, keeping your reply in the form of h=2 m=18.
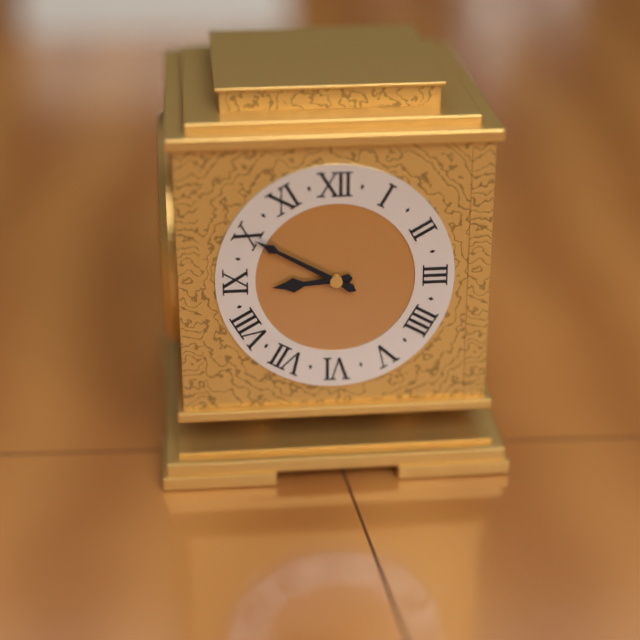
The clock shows h=8 m=50
